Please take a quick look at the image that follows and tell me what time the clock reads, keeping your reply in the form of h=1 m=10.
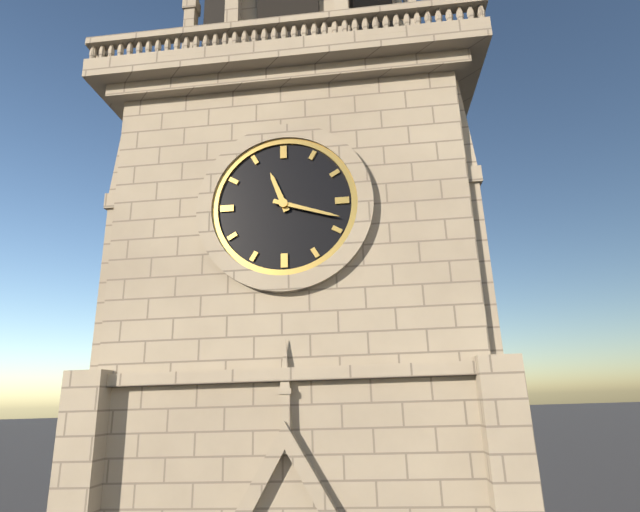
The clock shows h=11 m=18
